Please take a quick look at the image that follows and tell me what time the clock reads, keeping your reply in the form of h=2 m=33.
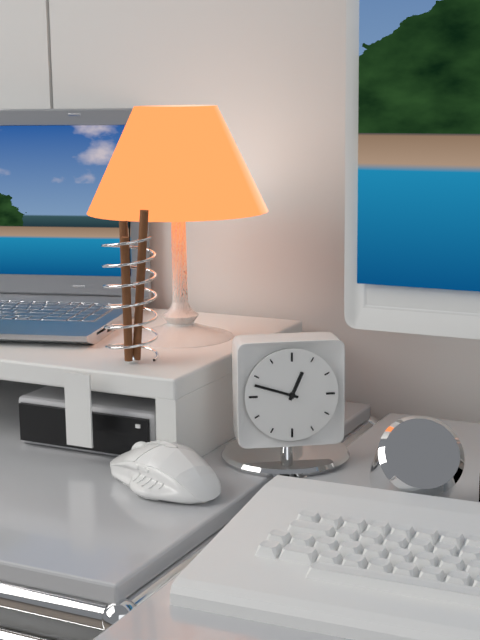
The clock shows h=12 m=48
